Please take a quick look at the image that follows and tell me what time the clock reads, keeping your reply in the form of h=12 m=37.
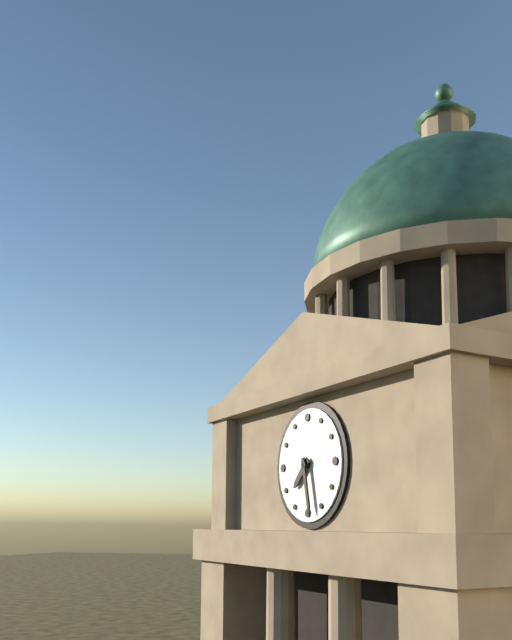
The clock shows h=7 m=28
